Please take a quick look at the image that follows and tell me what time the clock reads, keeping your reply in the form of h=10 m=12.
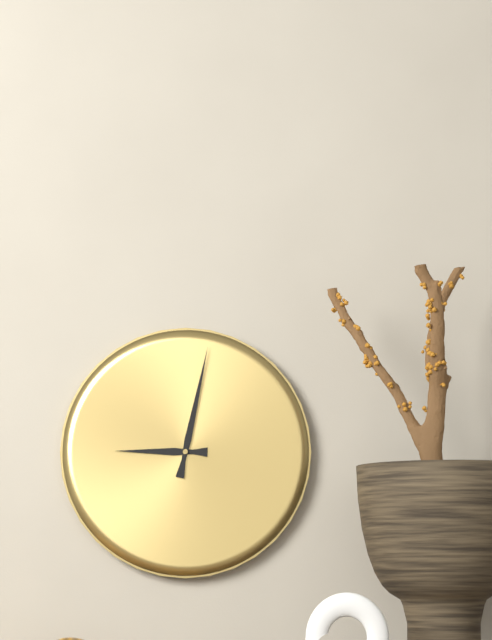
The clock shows h=9 m=2
